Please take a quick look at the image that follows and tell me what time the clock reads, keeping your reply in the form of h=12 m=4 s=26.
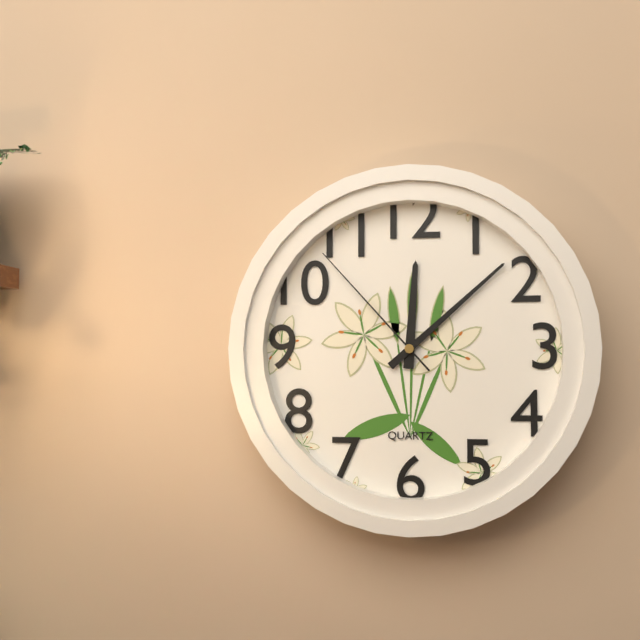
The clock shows h=12 m=8 s=53
